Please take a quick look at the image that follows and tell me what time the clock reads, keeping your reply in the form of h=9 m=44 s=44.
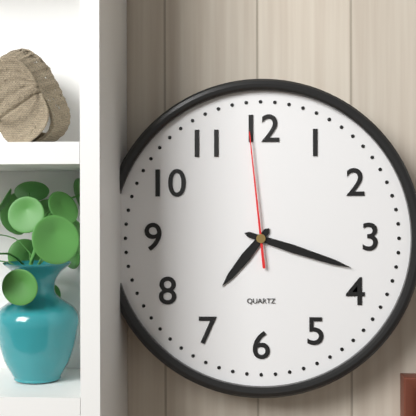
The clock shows h=7 m=18 s=59
